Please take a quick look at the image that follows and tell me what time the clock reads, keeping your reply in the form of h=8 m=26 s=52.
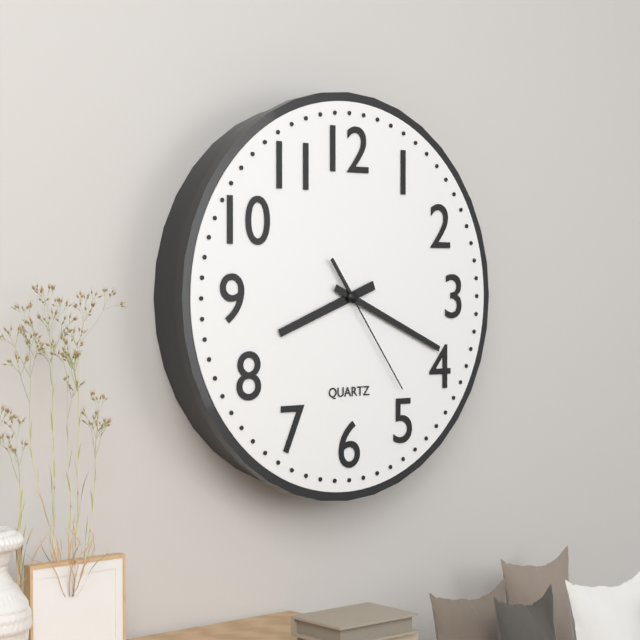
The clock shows h=8 m=19 s=24
